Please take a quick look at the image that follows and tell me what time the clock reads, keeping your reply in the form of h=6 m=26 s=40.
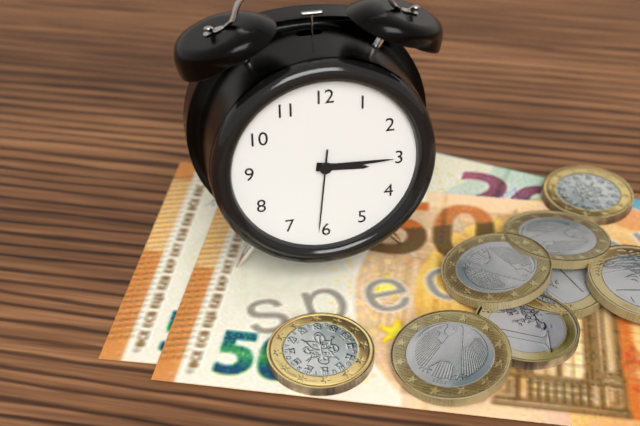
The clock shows h=3 m=15 s=31
